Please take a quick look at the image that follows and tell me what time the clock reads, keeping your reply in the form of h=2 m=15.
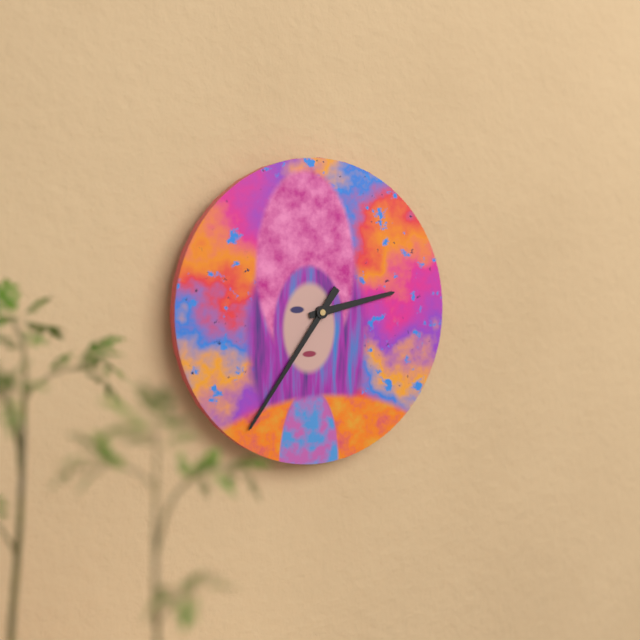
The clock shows h=2 m=36
